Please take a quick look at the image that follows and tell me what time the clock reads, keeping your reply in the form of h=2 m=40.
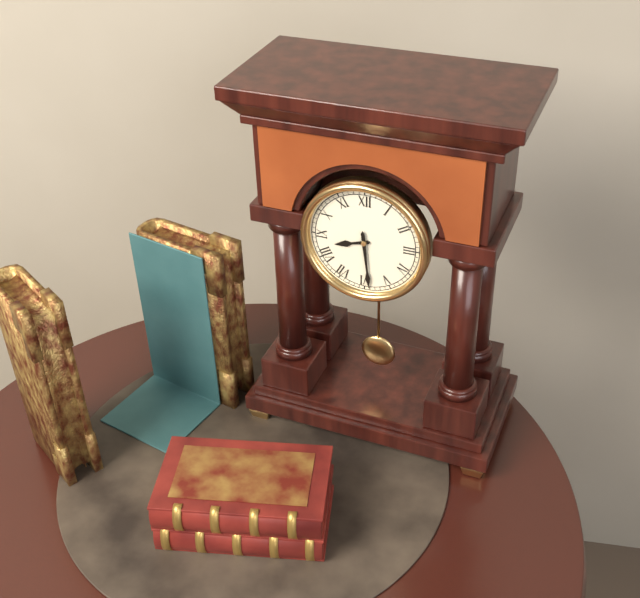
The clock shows h=8 m=29
